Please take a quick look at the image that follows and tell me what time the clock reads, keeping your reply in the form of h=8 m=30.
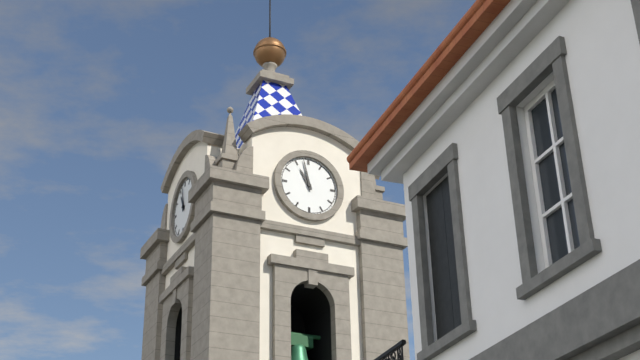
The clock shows h=10 m=58
